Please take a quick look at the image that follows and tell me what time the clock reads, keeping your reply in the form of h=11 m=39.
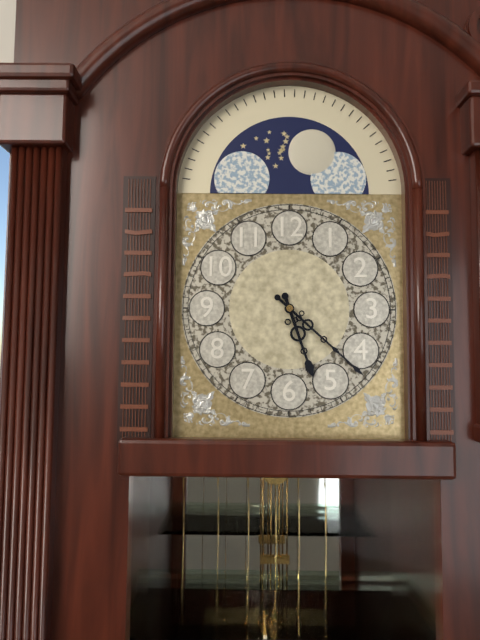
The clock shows h=5 m=22
